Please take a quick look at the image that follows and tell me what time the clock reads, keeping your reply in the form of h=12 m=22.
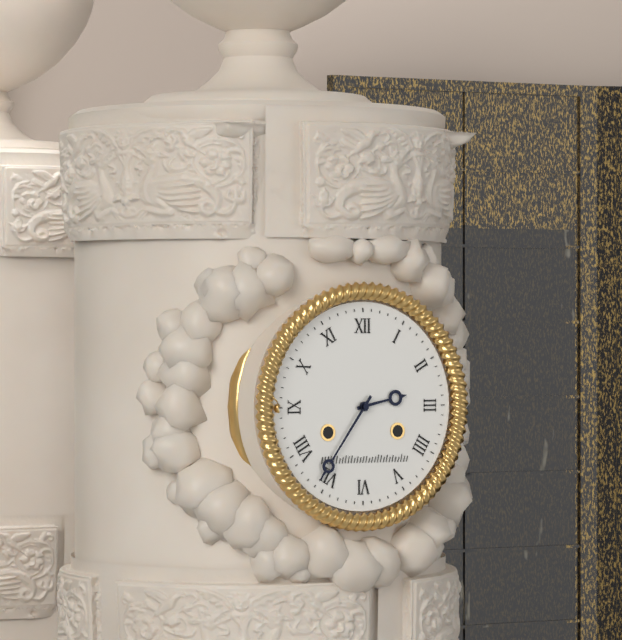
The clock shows h=2 m=36
